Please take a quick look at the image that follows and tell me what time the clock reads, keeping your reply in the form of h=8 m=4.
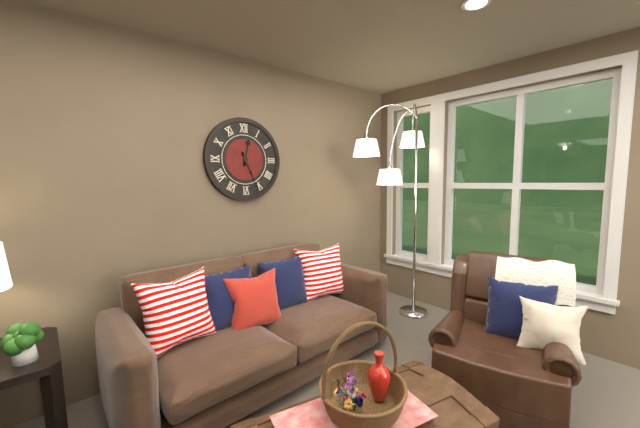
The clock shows h=12 m=26
